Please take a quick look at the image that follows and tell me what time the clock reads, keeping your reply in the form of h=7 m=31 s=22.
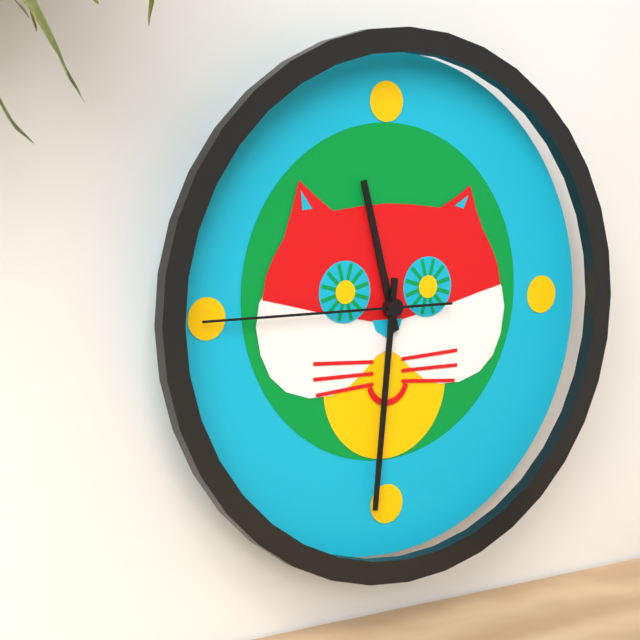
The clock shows h=11 m=31 s=45
